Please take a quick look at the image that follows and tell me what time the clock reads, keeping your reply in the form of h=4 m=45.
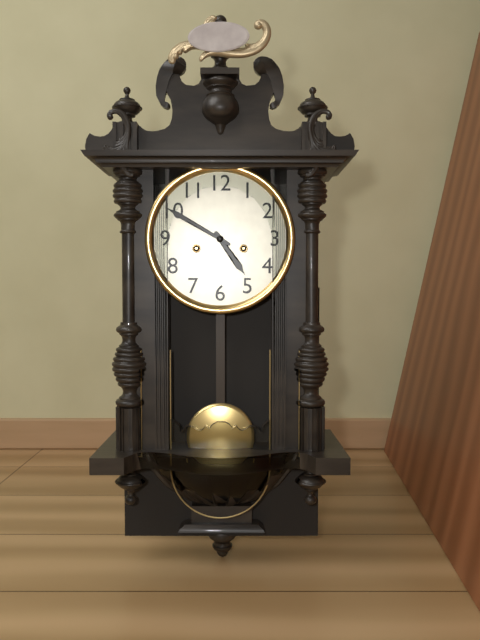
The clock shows h=4 m=50
